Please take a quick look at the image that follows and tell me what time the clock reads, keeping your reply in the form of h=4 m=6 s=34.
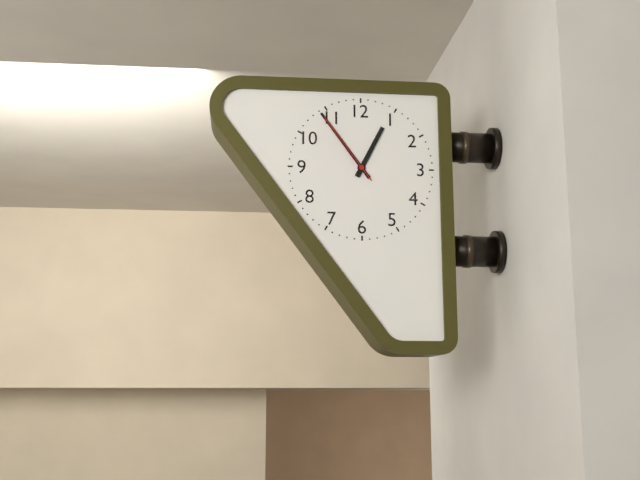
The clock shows h=12 m=54 s=54
